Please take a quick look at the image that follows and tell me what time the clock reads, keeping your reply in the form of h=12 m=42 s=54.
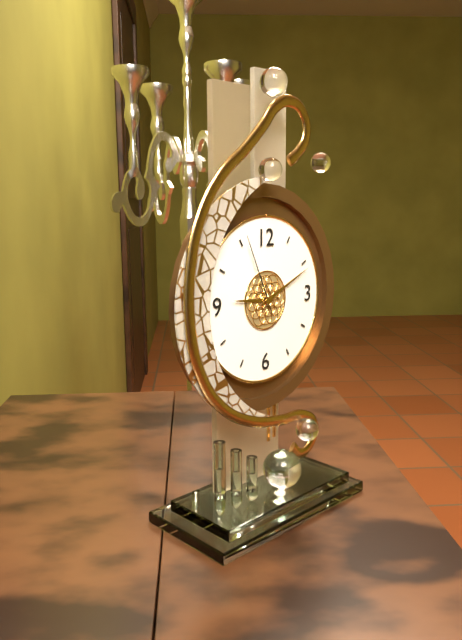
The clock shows h=9 m=11 s=56
